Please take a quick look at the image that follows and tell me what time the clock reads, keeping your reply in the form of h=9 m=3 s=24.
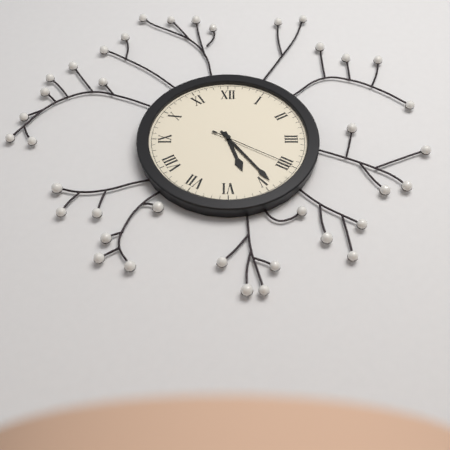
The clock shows h=5 m=24 s=20
